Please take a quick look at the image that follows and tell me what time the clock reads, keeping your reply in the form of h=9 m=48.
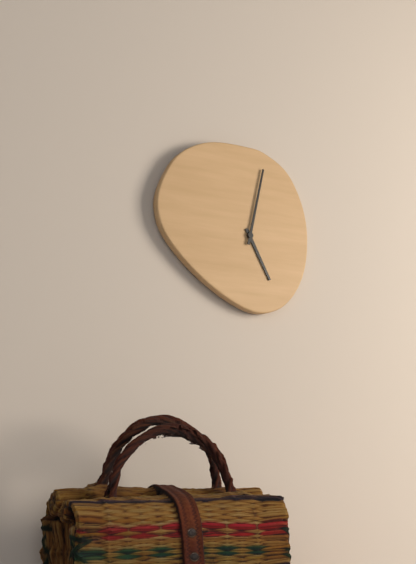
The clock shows h=5 m=2
